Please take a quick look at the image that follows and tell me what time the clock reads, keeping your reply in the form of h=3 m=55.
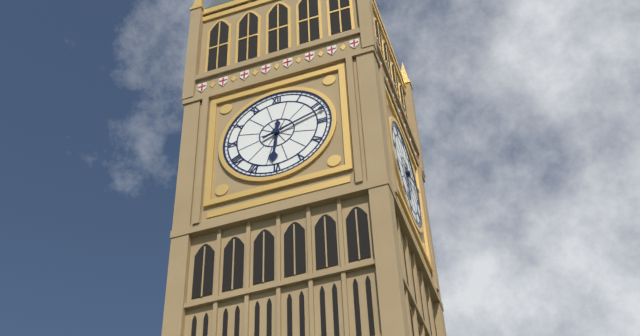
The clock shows h=6 m=12
